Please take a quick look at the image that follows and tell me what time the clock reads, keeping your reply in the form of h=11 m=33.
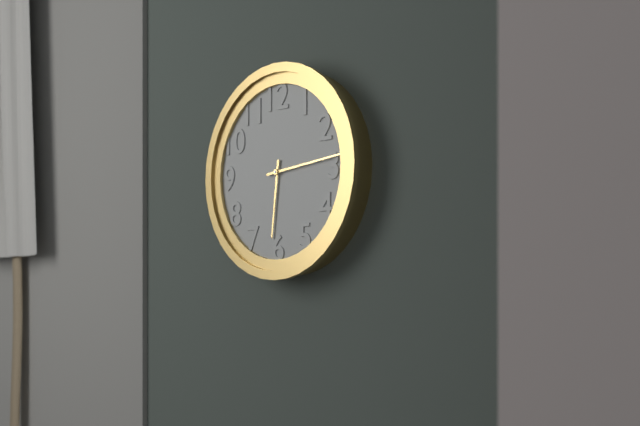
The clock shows h=6 m=14
